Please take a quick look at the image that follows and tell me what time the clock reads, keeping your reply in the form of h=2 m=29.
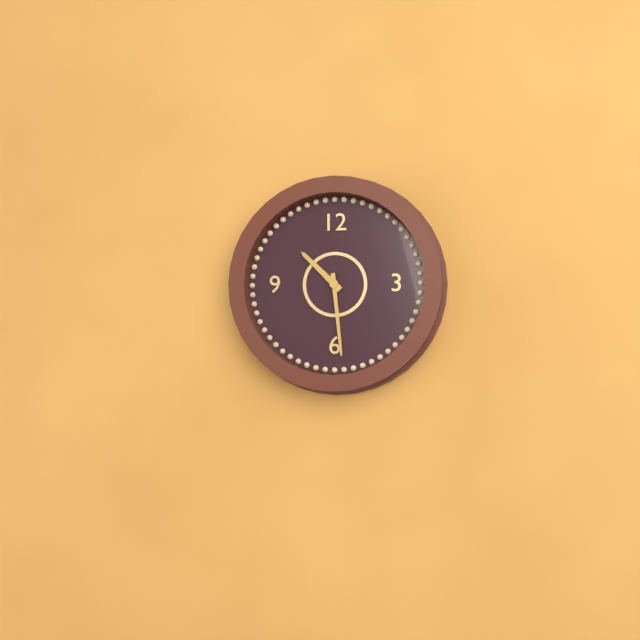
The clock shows h=10 m=29
